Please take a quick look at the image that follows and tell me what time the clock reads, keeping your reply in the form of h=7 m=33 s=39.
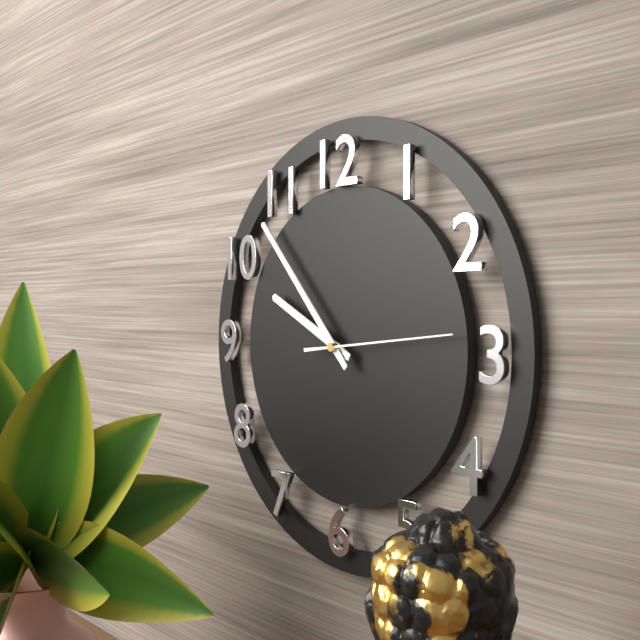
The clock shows h=9 m=53 s=14
